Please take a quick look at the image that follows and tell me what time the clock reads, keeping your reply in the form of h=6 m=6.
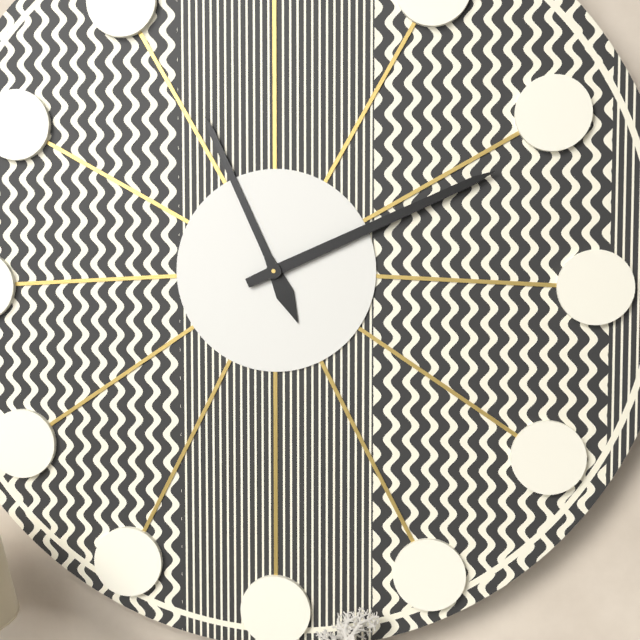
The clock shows h=11 m=11
